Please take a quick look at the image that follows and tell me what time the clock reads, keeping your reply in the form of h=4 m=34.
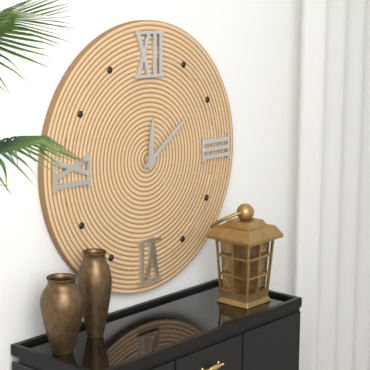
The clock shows h=12 m=9
